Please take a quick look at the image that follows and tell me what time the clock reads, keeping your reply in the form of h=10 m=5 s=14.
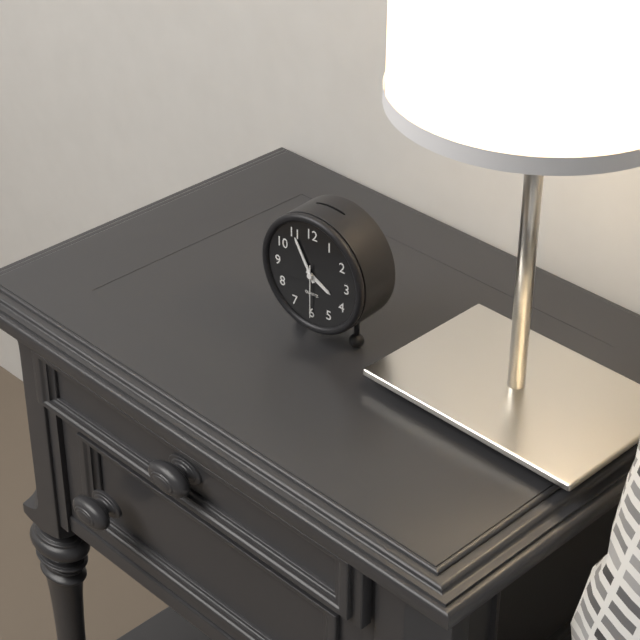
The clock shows h=3 m=55 s=30
